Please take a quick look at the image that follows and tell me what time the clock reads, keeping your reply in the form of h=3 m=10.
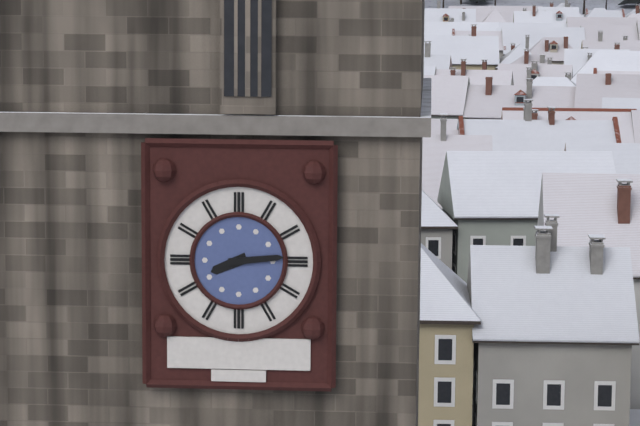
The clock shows h=8 m=14
